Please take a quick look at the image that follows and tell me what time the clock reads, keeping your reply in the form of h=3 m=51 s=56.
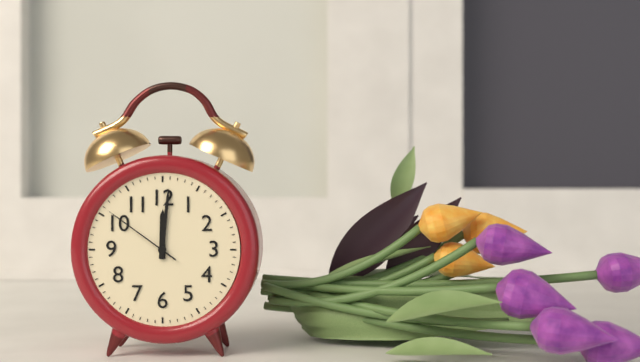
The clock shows h=12 m=1 s=51
